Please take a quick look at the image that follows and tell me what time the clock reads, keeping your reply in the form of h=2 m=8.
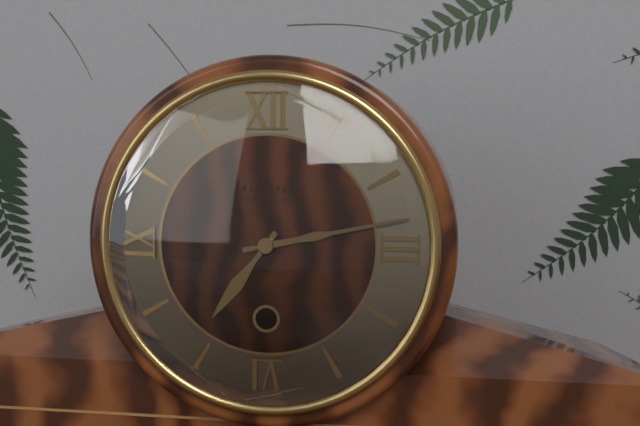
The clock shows h=7 m=13
